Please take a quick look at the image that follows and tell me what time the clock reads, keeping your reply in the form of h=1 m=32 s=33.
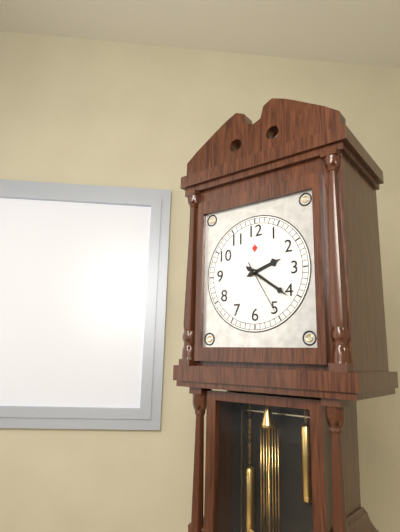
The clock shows h=2 m=21 s=25
